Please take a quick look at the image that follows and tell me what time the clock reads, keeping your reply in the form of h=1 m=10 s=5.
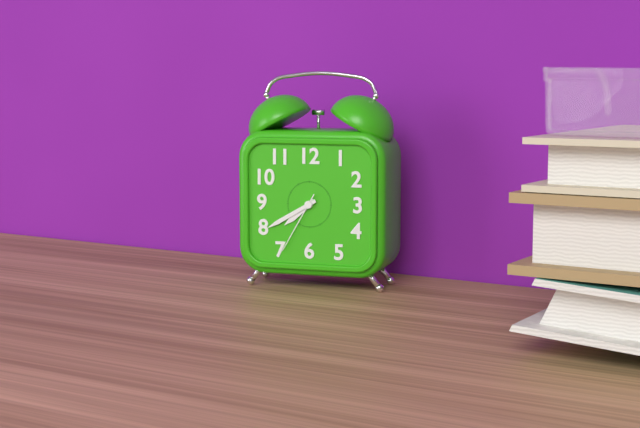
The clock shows h=7 m=40 s=35
